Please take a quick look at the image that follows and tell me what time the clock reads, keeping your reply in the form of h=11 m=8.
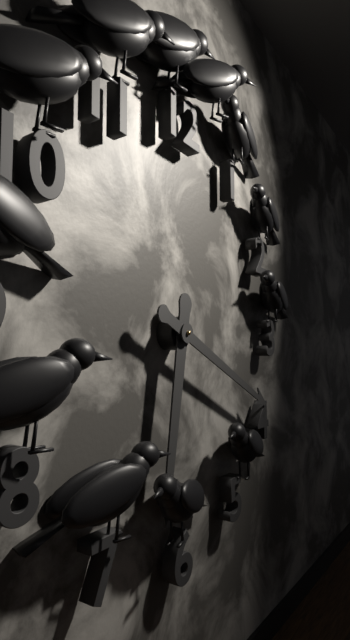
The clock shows h=6 m=19
